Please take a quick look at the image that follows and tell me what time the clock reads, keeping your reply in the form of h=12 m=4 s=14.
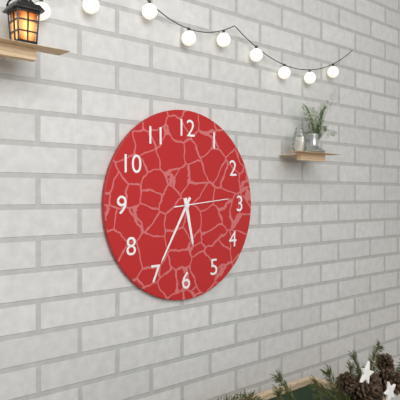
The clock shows h=5 m=35 s=14
